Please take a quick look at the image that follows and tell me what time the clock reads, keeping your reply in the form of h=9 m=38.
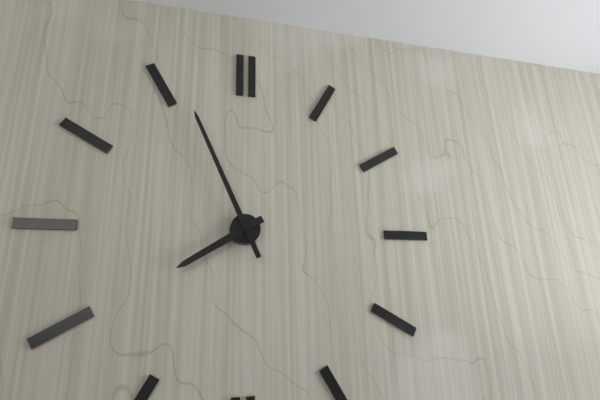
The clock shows h=7 m=56
